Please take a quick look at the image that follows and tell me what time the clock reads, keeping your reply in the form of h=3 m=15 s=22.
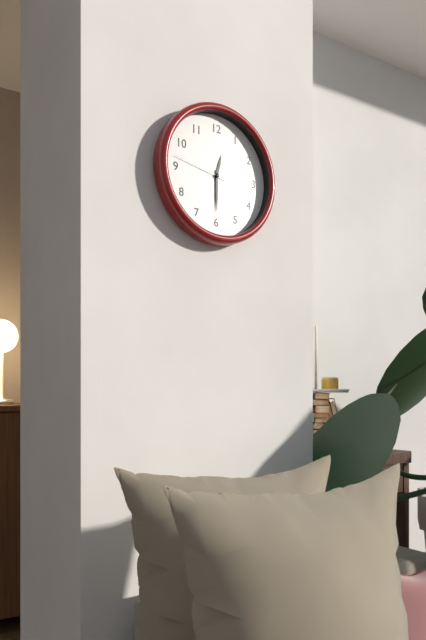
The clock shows h=12 m=30 s=47
